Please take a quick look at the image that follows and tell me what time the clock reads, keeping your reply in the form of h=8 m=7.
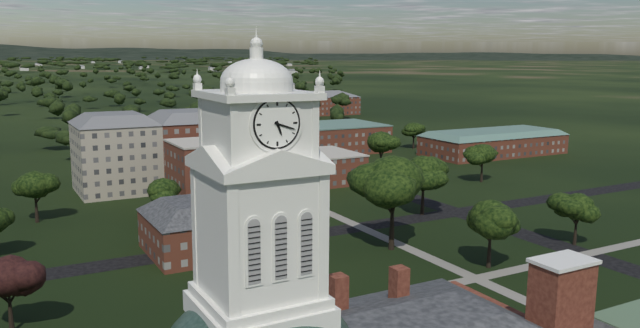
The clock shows h=5 m=18
